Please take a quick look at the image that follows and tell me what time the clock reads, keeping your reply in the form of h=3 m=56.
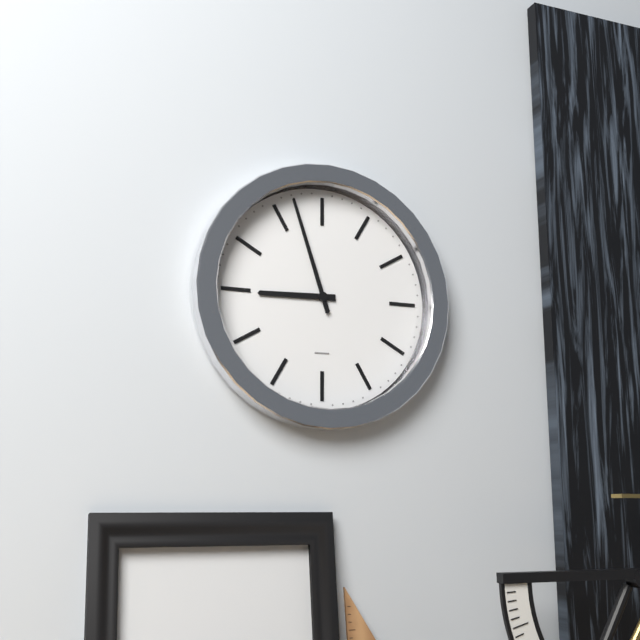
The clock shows h=8 m=57
